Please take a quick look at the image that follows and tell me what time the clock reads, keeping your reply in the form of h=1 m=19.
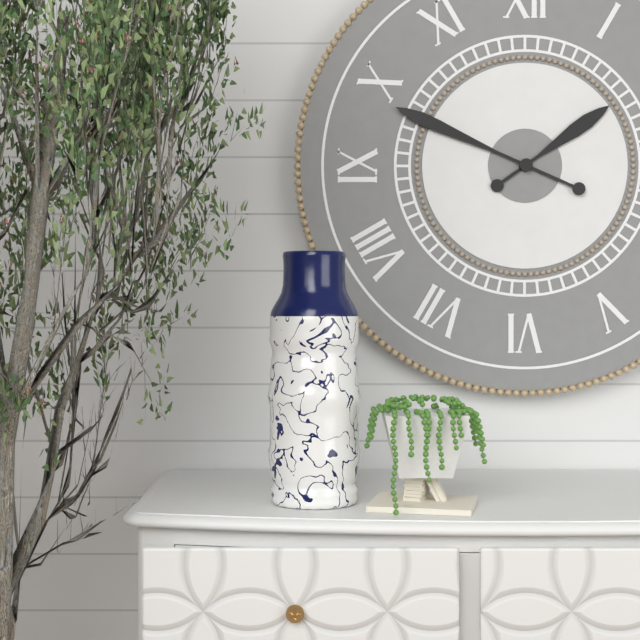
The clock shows h=1 m=49
